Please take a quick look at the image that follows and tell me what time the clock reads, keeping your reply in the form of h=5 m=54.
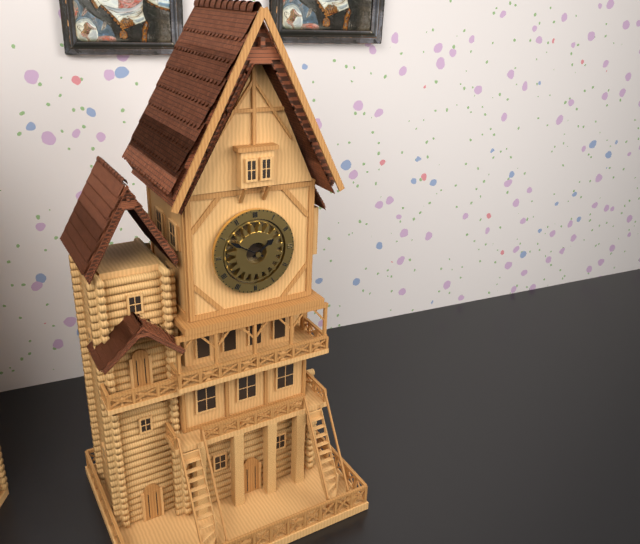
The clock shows h=1 m=50
